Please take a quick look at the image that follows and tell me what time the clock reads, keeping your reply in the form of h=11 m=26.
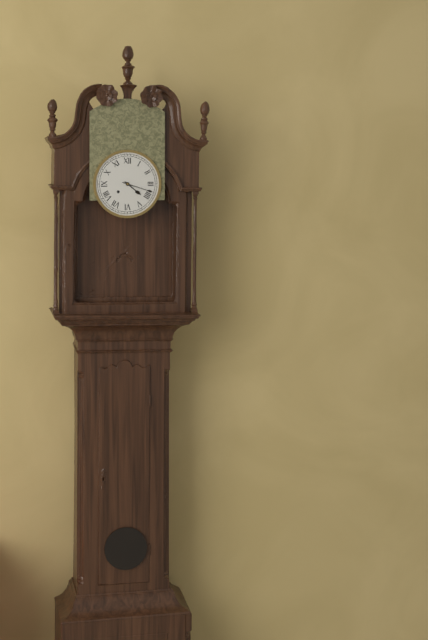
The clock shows h=4 m=18
